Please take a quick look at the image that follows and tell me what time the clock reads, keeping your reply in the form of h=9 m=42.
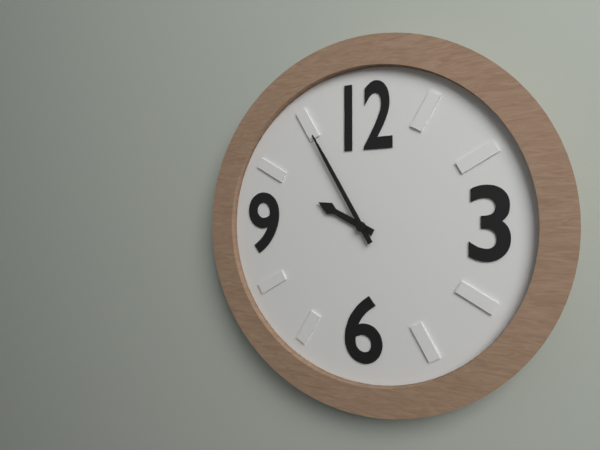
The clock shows h=9 m=55
